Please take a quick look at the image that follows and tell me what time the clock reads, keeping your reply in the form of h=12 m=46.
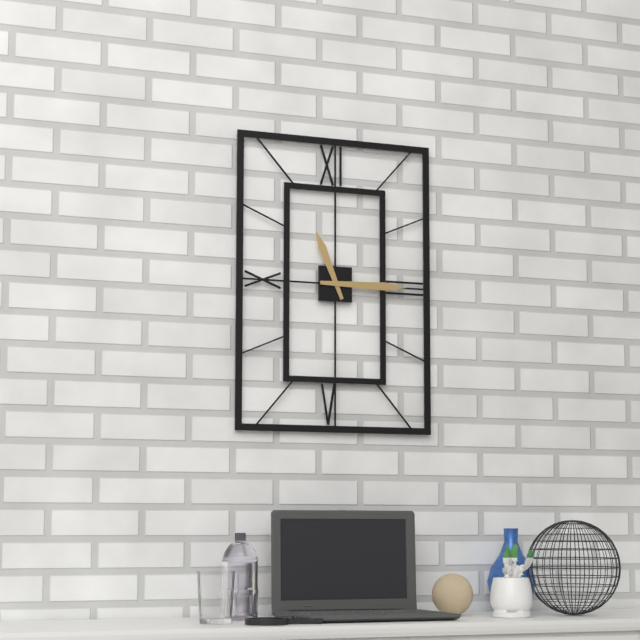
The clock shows h=11 m=15
